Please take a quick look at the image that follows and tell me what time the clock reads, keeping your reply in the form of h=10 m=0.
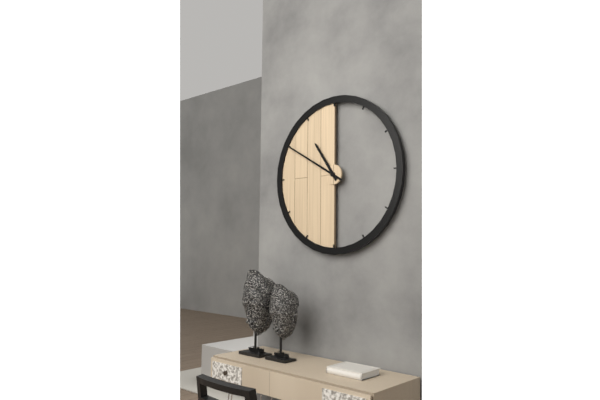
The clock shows h=10 m=50
